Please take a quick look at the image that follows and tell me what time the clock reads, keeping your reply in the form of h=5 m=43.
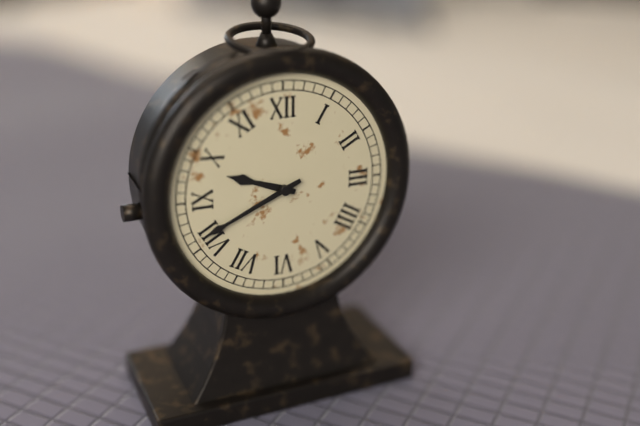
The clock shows h=9 m=41
